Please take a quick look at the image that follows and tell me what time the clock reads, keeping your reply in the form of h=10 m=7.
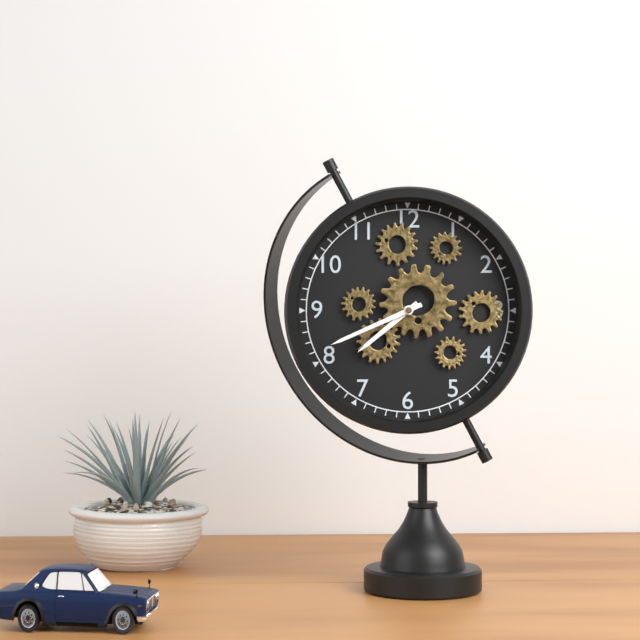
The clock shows h=7 m=41
